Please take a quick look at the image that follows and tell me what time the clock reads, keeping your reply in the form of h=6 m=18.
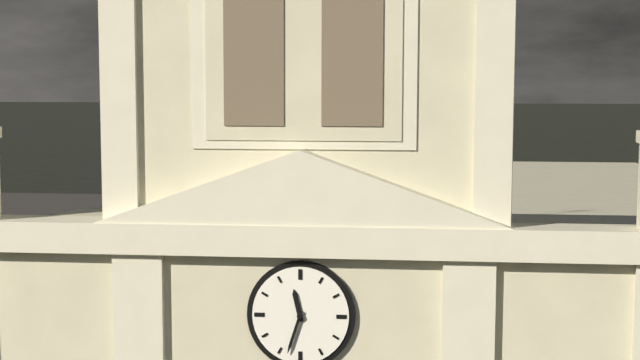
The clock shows h=11 m=33
